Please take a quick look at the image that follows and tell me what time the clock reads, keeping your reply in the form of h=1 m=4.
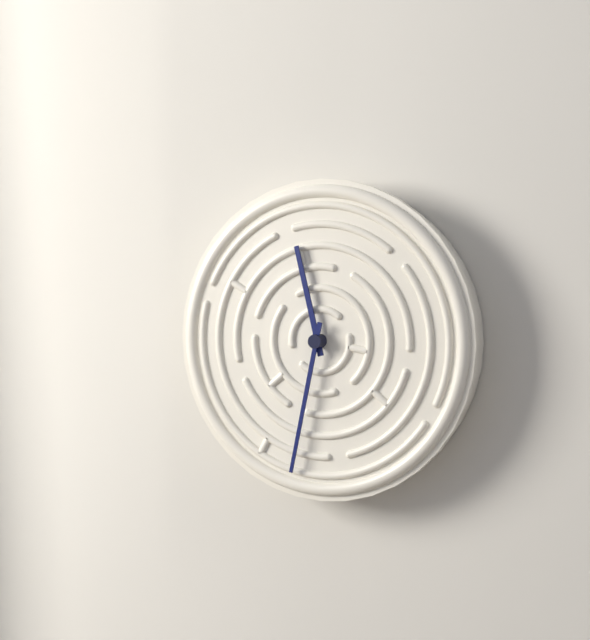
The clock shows h=11 m=32
